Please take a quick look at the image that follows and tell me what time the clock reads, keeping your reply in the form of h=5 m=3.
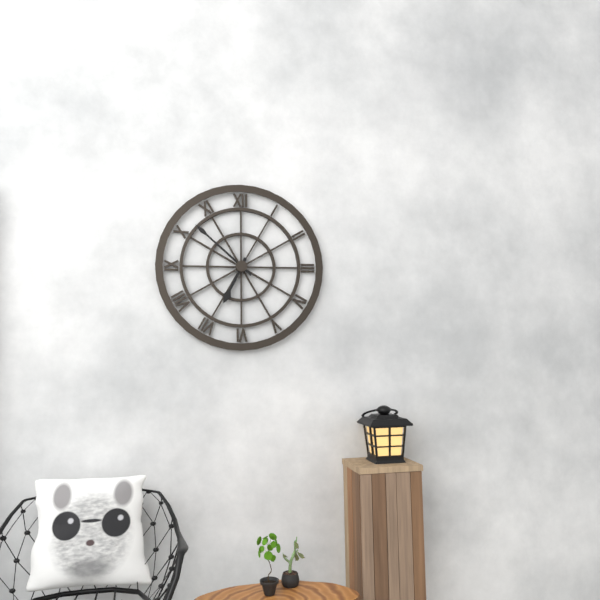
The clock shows h=6 m=52
